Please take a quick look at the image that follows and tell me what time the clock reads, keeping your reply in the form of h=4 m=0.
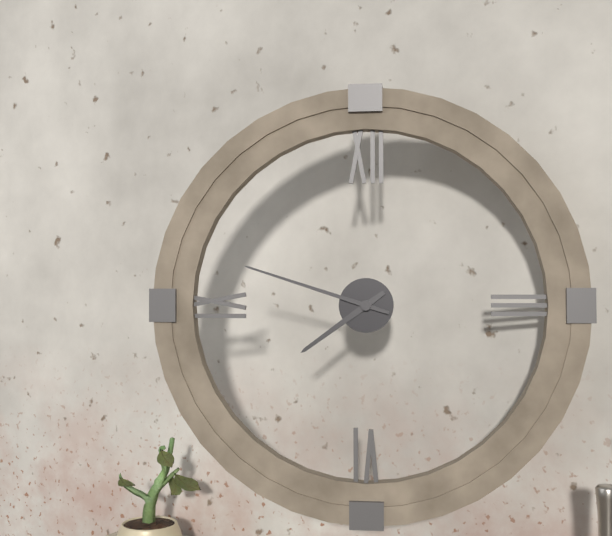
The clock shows h=7 m=48
